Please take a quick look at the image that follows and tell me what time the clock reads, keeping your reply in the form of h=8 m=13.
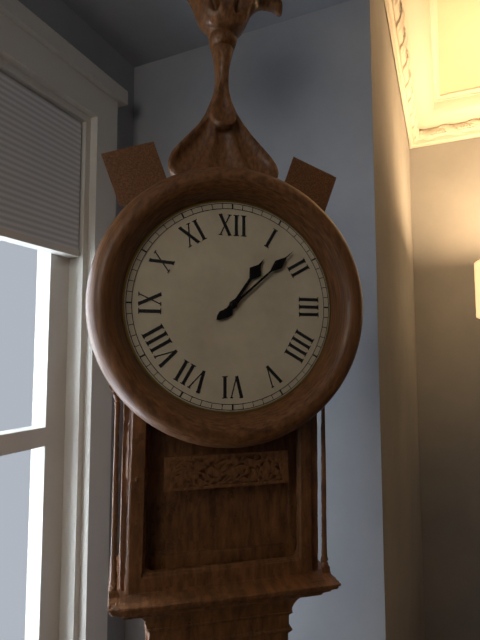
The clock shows h=1 m=8
